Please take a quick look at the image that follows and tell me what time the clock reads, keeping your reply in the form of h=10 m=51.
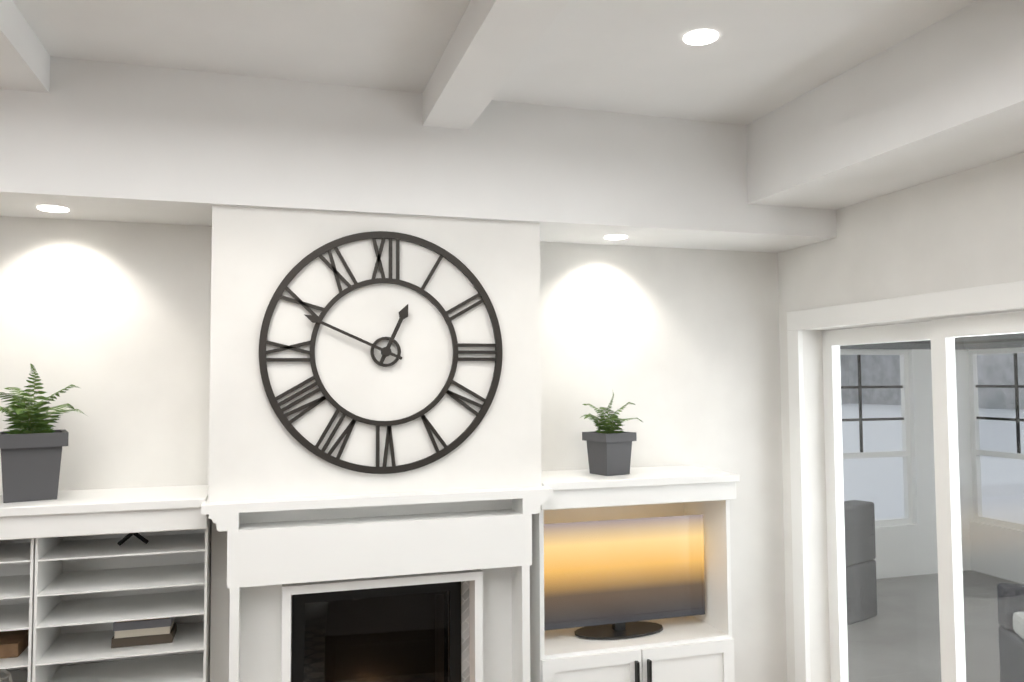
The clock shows h=12 m=49
